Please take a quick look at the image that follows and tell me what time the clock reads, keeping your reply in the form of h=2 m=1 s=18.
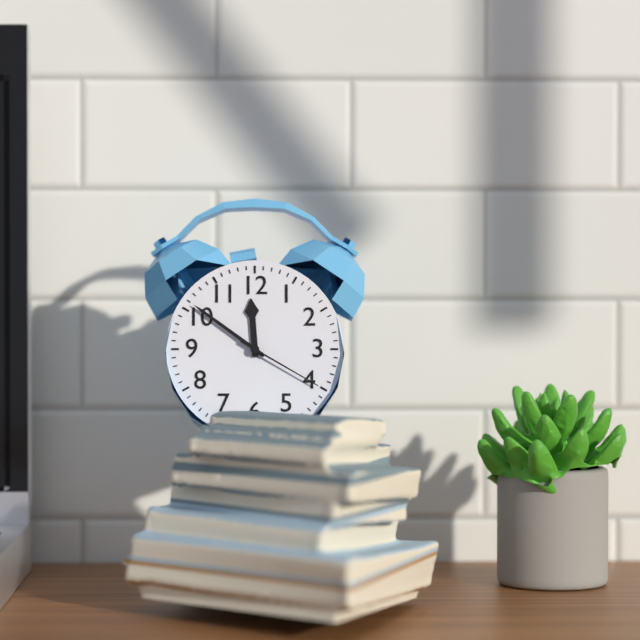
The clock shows h=11 m=51 s=20
